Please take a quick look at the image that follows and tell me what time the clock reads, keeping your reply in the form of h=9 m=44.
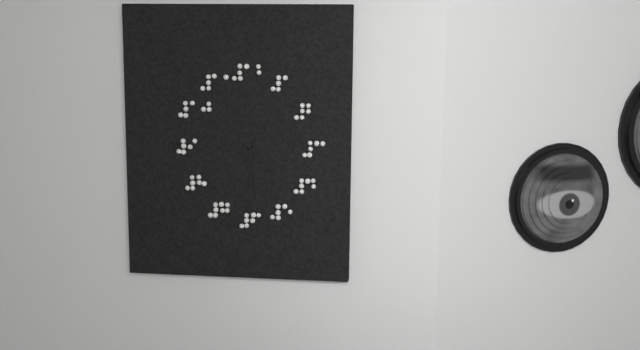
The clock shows h=4 m=29
